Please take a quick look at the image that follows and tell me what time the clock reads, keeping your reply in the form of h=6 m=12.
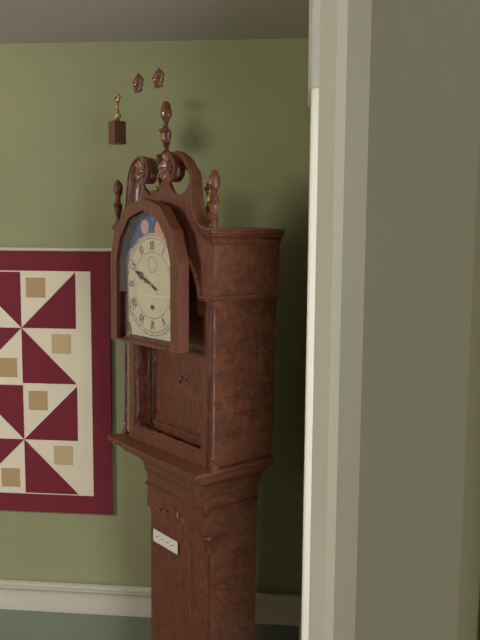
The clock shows h=9 m=49
